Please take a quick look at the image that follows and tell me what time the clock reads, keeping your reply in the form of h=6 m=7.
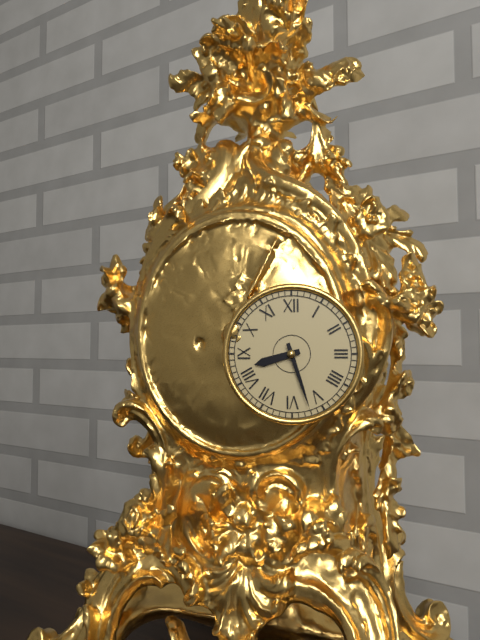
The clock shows h=8 m=27
